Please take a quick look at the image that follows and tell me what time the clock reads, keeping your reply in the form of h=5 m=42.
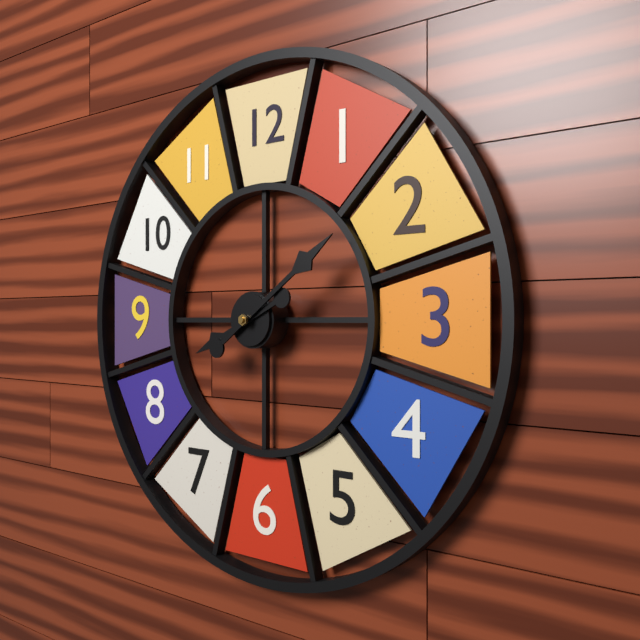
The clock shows h=8 m=9
